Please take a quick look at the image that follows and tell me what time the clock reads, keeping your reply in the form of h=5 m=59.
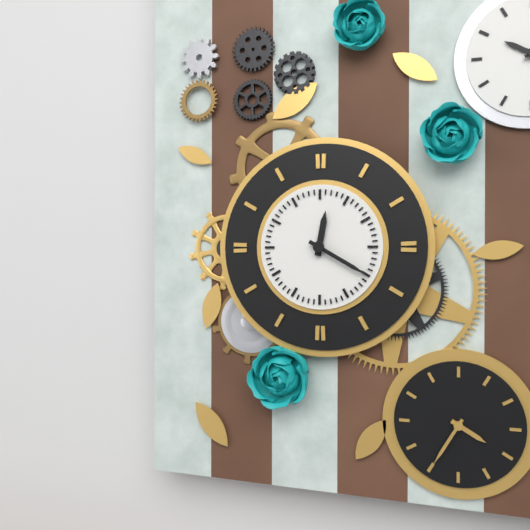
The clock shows h=12 m=20
